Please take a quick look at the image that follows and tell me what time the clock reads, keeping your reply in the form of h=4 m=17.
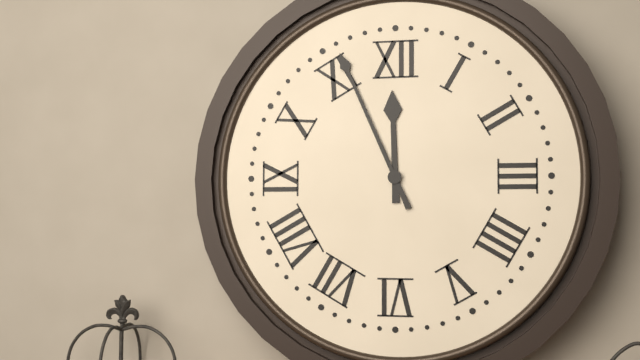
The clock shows h=11 m=56
